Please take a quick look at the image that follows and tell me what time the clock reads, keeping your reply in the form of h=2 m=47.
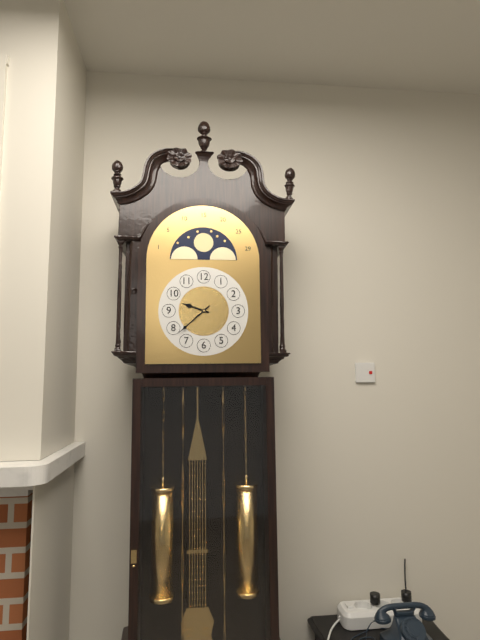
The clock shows h=9 m=38
